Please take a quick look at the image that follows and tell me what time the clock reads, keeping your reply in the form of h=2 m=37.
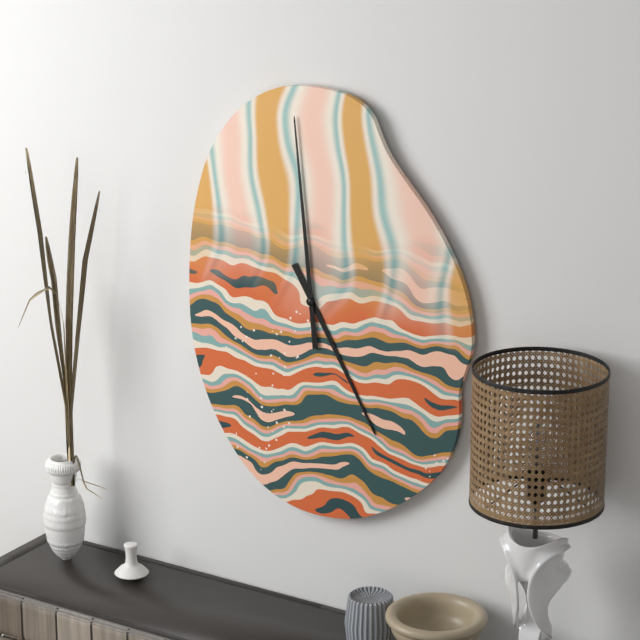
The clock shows h=4 m=59
